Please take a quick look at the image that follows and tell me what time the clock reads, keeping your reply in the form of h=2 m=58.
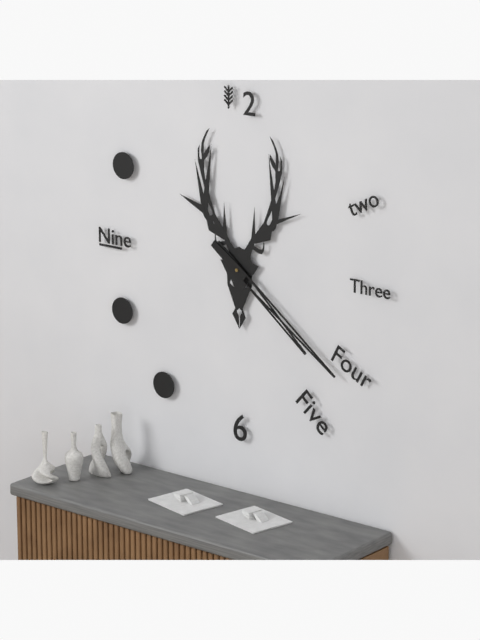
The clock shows h=4 m=21
